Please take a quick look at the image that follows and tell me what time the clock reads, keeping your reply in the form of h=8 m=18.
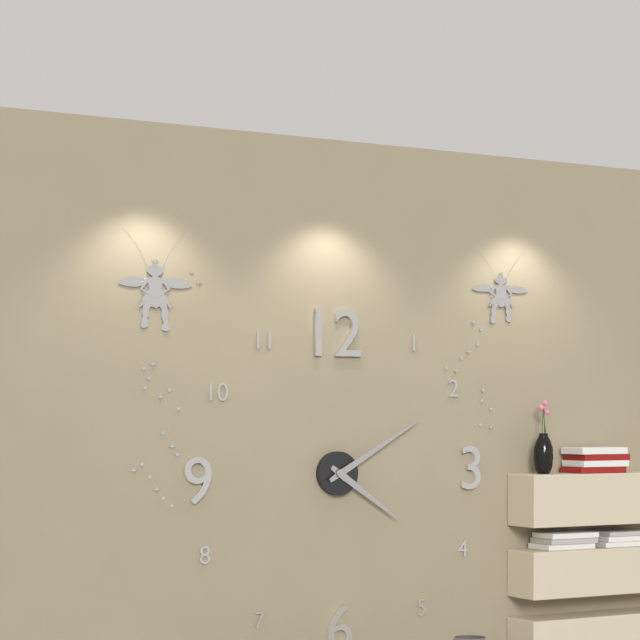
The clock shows h=4 m=10
